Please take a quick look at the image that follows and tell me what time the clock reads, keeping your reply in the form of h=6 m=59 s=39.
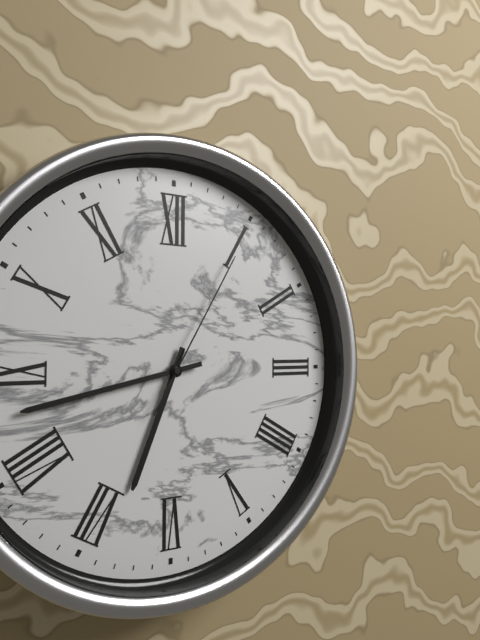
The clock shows h=6 m=43 s=5
